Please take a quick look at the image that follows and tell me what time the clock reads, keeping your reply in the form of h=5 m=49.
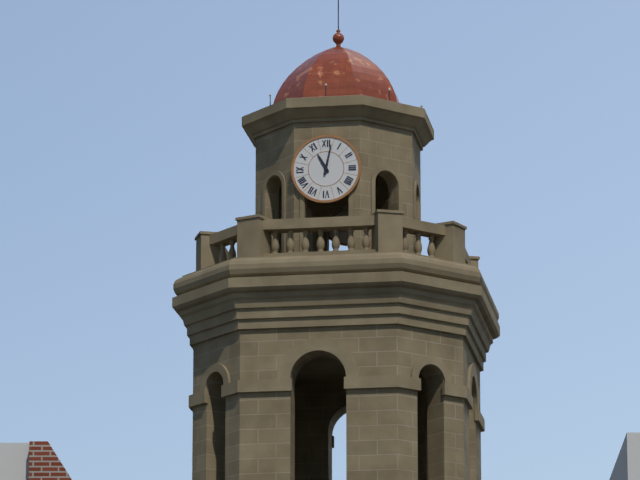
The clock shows h=11 m=2
